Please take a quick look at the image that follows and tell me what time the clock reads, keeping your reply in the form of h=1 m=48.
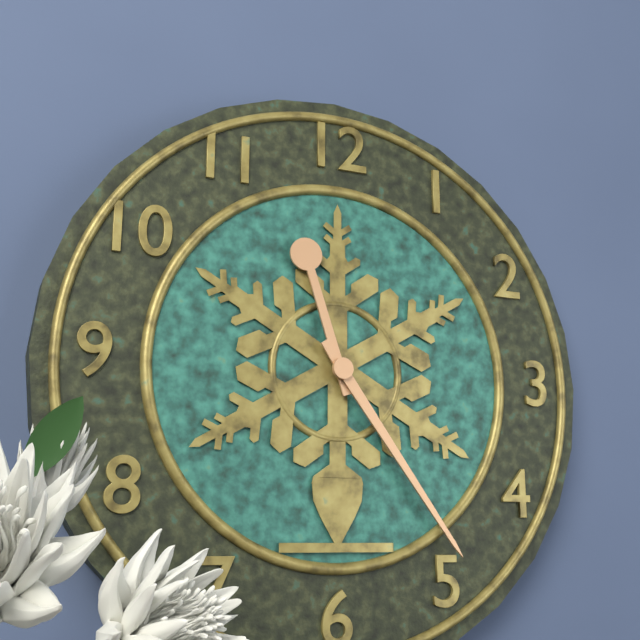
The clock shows h=11 m=24
